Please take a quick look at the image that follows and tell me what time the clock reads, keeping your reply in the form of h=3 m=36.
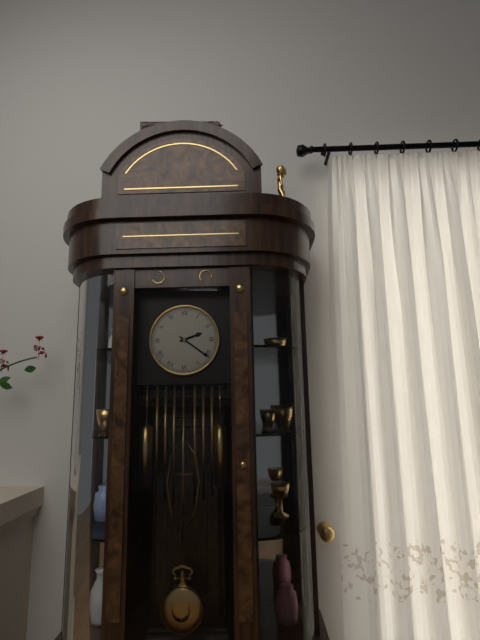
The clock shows h=2 m=21
